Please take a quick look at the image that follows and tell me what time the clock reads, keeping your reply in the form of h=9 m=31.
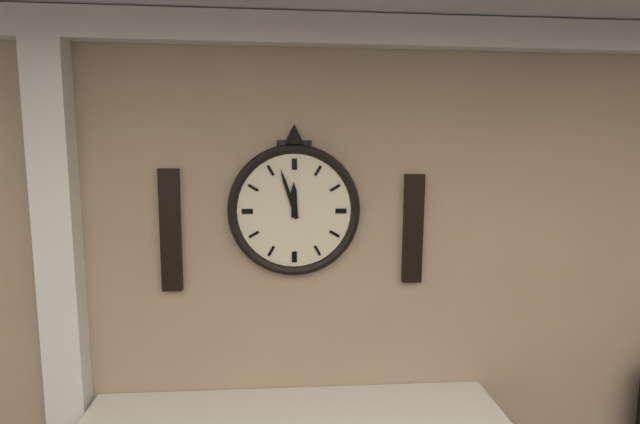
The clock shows h=11 m=57
